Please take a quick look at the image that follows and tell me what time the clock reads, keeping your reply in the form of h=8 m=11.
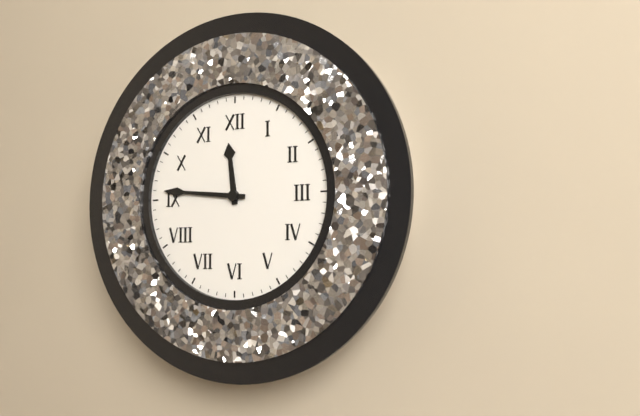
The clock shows h=11 m=46
